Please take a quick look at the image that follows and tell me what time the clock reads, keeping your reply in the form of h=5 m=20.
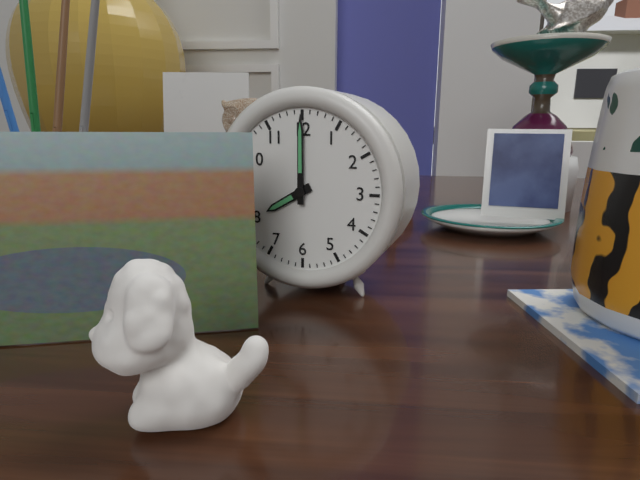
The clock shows h=8 m=0
